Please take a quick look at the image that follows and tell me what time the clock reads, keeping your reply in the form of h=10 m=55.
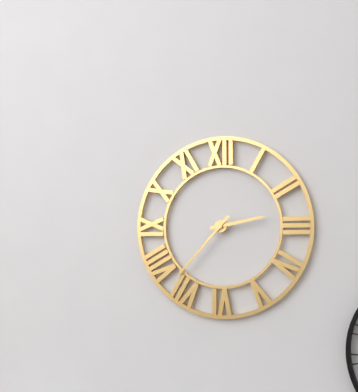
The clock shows h=2 m=37
